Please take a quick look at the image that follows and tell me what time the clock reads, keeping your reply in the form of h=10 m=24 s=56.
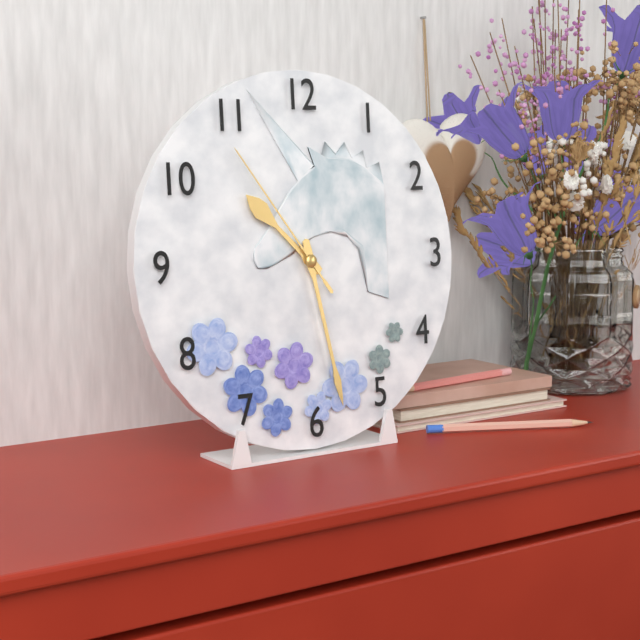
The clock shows h=10 m=28 s=54
